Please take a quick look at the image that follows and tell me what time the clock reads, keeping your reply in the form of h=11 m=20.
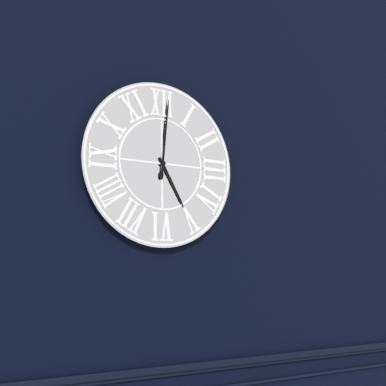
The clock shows h=5 m=1
